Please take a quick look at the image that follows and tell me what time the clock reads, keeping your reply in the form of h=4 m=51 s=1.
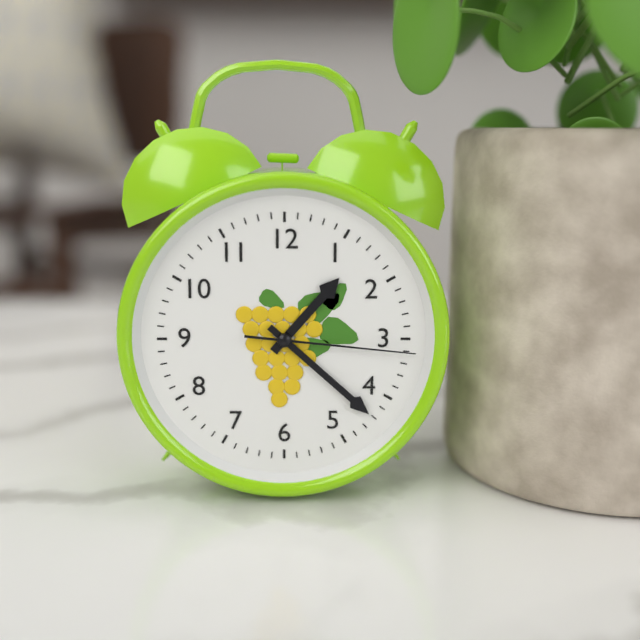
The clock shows h=1 m=22 s=16
